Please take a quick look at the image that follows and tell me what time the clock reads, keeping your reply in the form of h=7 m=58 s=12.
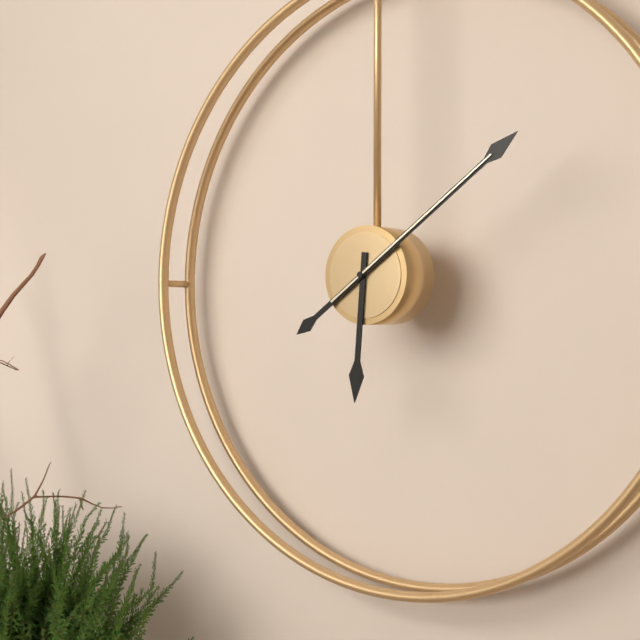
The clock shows h=6 m=9 s=9
